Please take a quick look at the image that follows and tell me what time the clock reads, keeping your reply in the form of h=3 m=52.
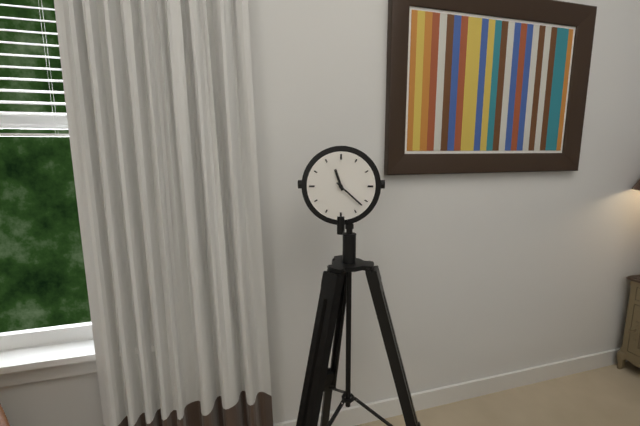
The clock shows h=11 m=22
